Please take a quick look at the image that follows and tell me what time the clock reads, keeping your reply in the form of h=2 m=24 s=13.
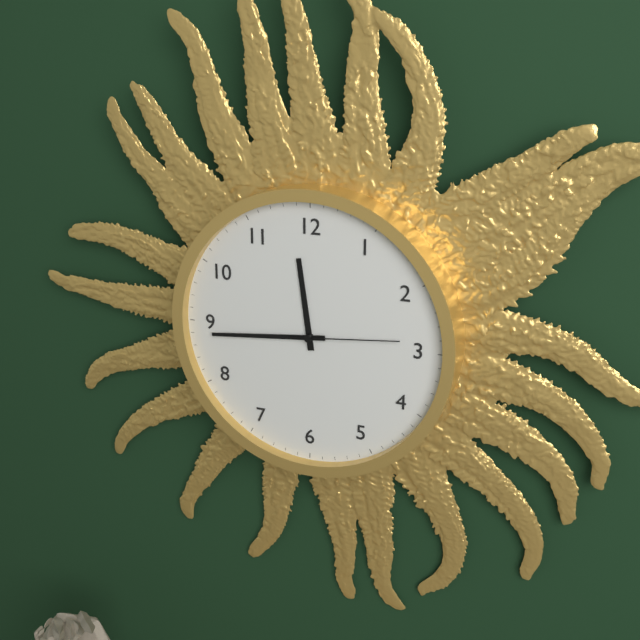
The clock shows h=11 m=44 s=14
